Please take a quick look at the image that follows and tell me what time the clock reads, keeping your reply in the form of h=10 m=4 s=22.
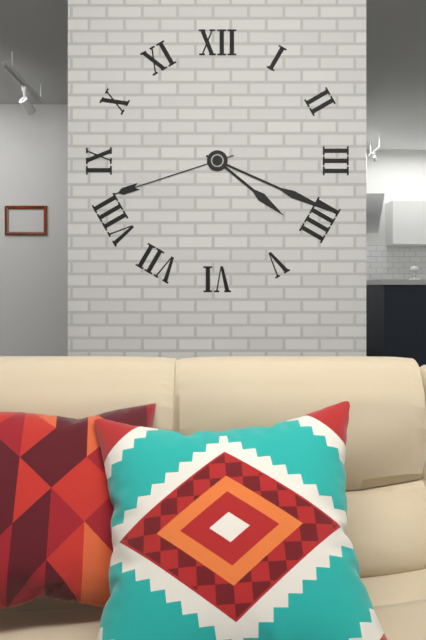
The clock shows h=4 m=19 s=42
